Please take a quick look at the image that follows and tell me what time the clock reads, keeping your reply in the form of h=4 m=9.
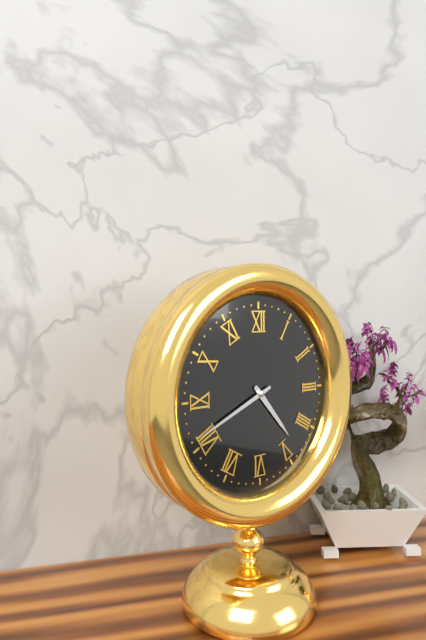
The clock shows h=4 m=41
